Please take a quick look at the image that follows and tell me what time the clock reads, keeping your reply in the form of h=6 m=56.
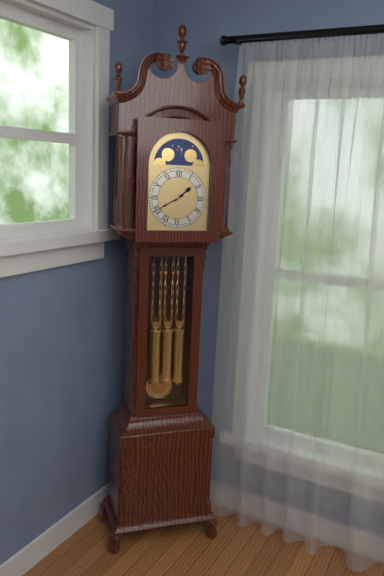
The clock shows h=1 m=40
